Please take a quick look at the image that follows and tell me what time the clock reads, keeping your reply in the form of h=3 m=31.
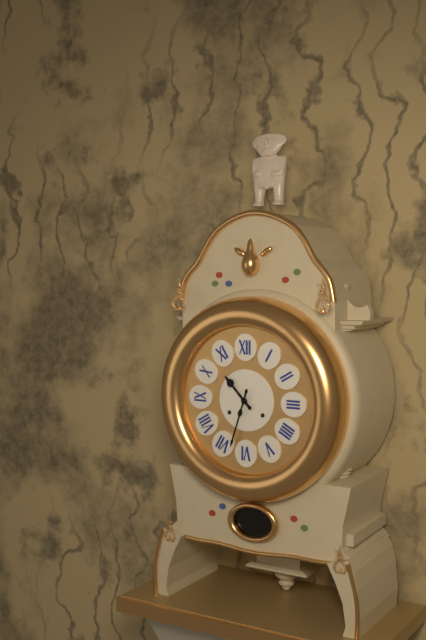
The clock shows h=10 m=33
